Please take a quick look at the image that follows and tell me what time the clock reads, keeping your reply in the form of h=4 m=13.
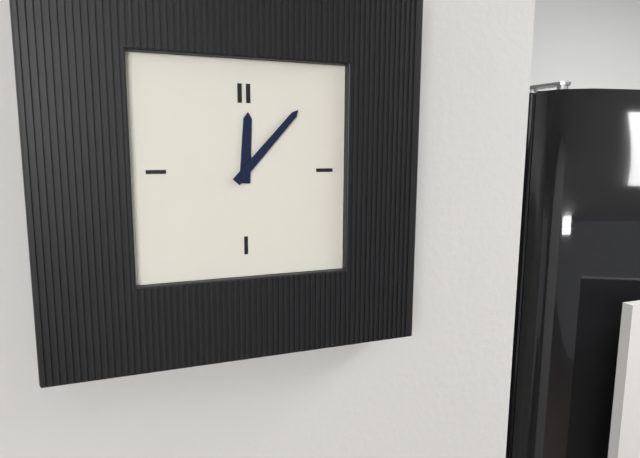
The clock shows h=12 m=7
